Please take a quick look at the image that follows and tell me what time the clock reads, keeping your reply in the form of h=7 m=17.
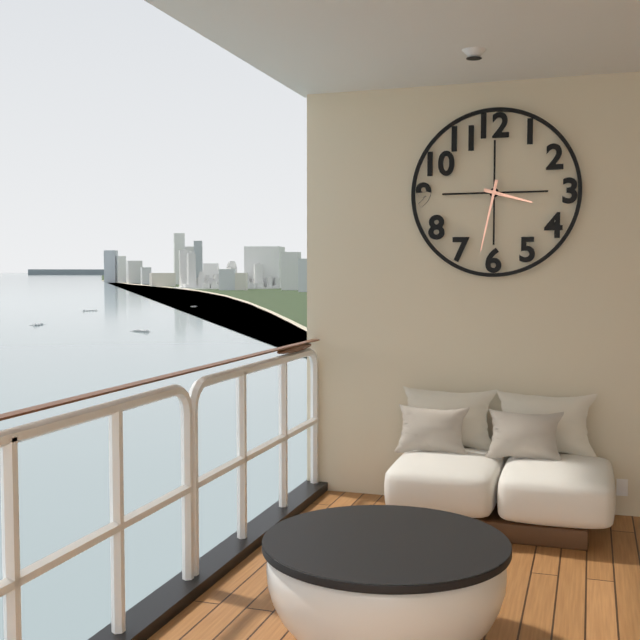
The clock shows h=3 m=32
